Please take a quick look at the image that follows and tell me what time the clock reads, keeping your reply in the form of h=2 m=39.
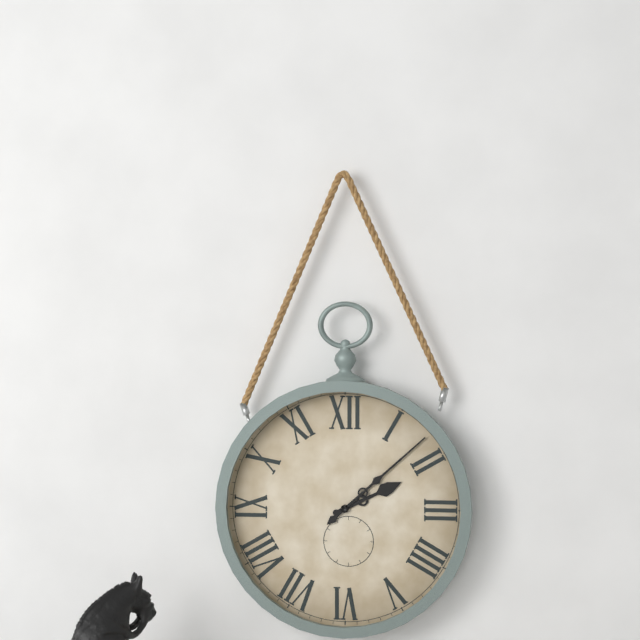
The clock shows h=2 m=8
